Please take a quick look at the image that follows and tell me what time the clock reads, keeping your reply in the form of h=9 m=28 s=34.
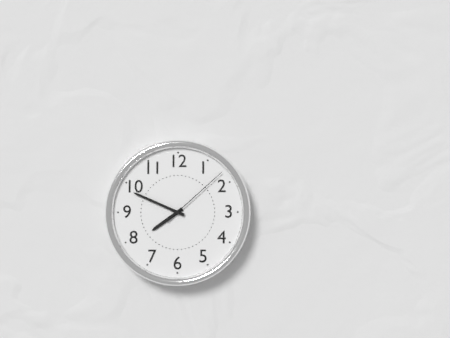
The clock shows h=7 m=49 s=8
